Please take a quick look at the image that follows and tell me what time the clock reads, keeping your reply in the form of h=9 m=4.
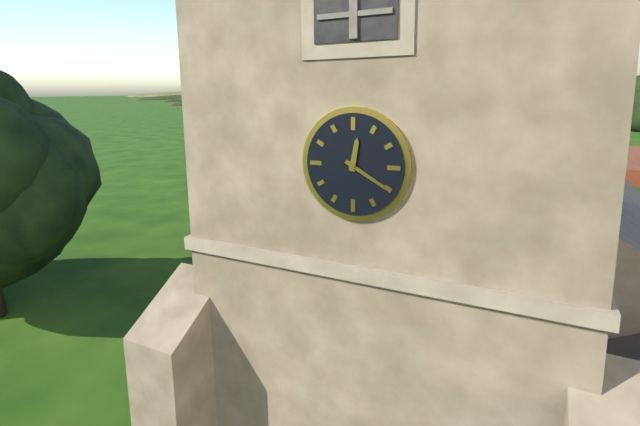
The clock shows h=12 m=20
